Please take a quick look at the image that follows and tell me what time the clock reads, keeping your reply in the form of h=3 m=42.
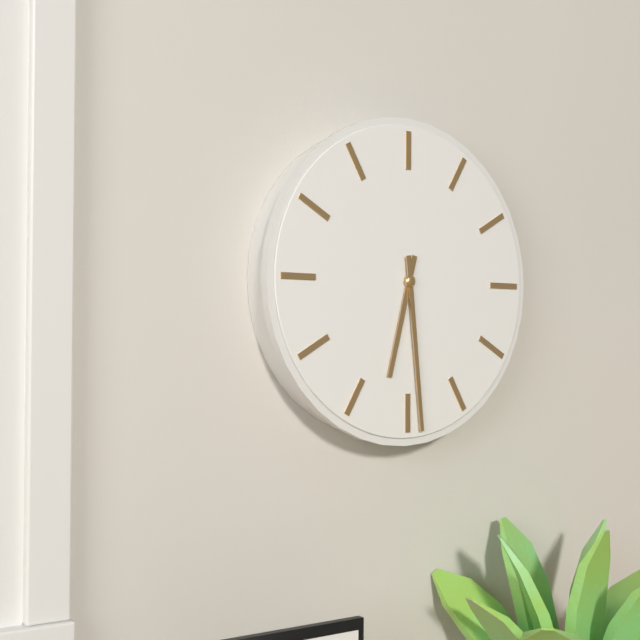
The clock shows h=6 m=29
